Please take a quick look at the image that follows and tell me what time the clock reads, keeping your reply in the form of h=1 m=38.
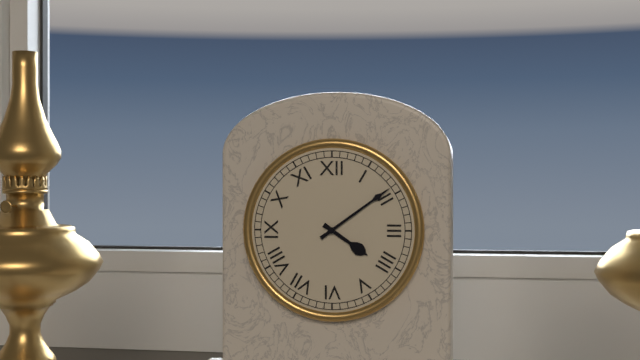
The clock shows h=4 m=9
